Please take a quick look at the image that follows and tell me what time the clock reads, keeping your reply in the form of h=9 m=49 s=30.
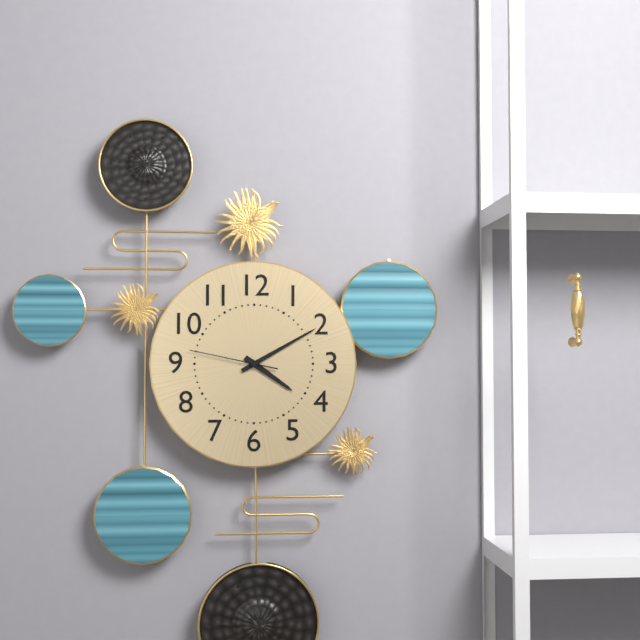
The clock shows h=4 m=10 s=47
